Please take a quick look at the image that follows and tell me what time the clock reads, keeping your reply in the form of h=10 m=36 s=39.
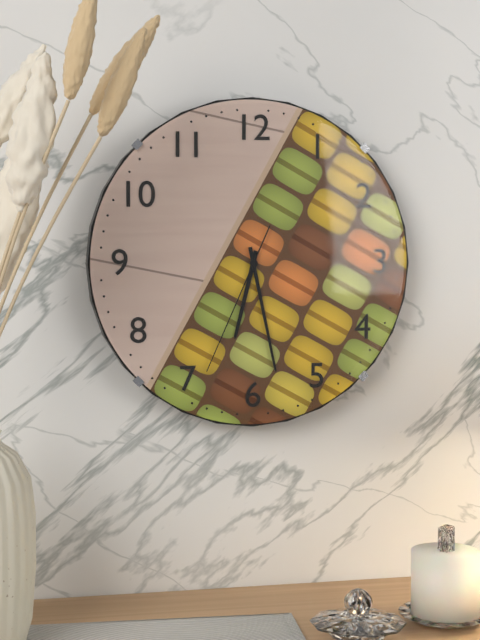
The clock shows h=6 m=28 s=34
